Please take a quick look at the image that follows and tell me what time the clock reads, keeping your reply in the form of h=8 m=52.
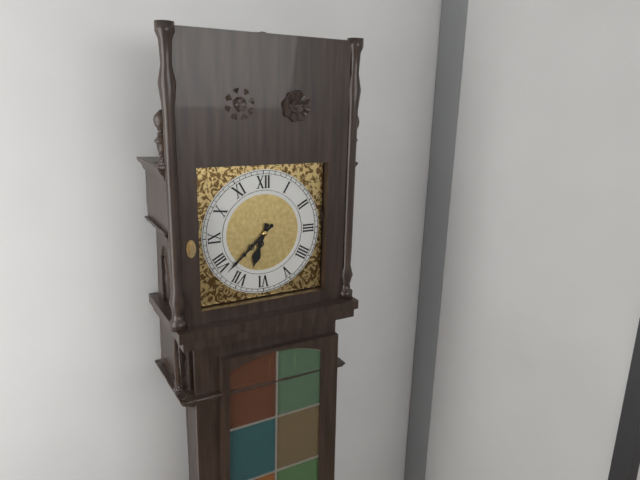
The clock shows h=6 m=38
